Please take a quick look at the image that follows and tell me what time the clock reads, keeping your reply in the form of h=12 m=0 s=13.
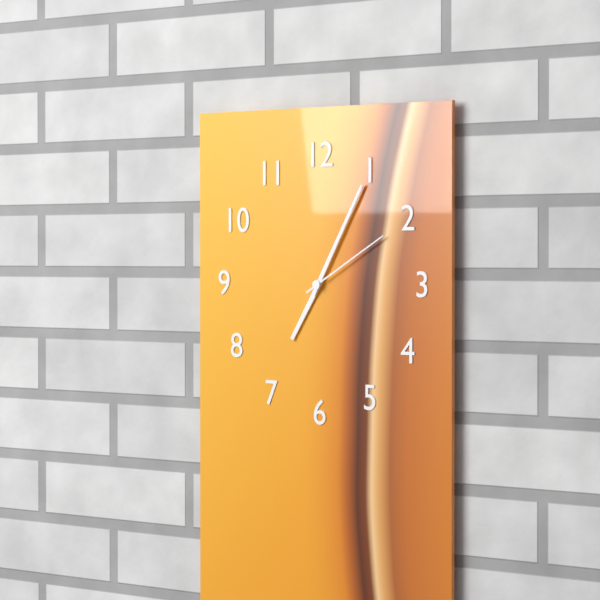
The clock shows h=7 m=5 s=10
